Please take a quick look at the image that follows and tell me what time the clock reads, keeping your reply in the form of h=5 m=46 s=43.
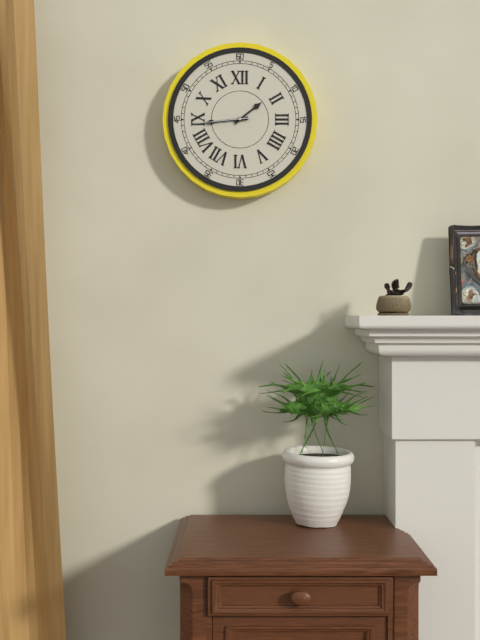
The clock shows h=1 m=44 s=44
